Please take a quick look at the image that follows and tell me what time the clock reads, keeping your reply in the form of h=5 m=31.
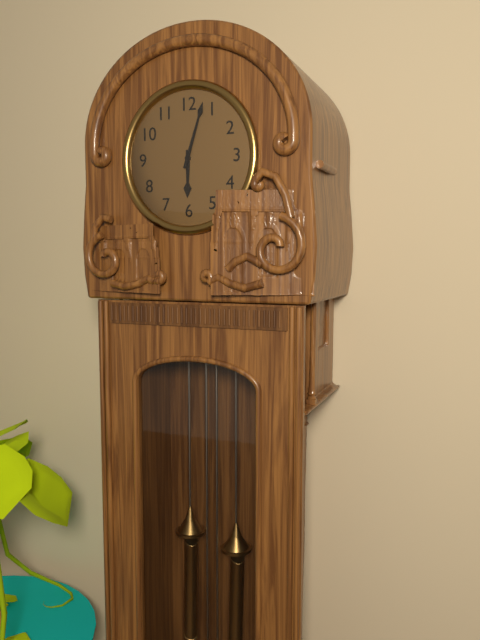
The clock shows h=6 m=3
